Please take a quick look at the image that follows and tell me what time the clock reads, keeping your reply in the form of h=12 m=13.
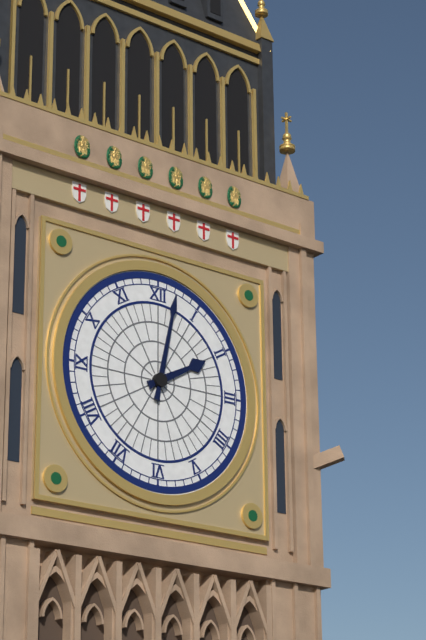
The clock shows h=2 m=2
